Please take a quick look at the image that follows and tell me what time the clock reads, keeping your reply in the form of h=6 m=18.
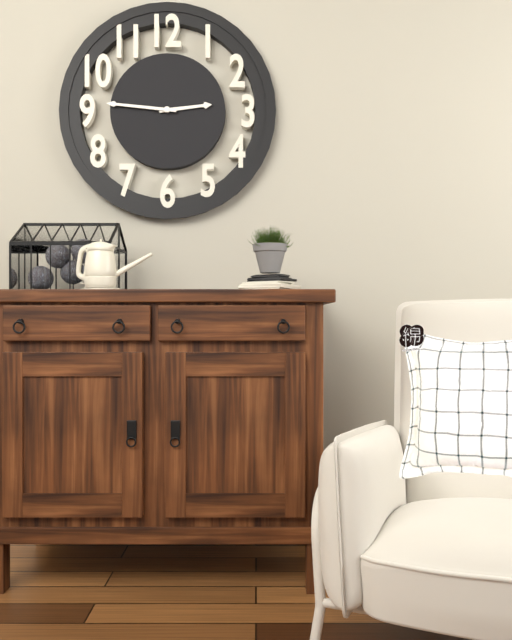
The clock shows h=2 m=46
